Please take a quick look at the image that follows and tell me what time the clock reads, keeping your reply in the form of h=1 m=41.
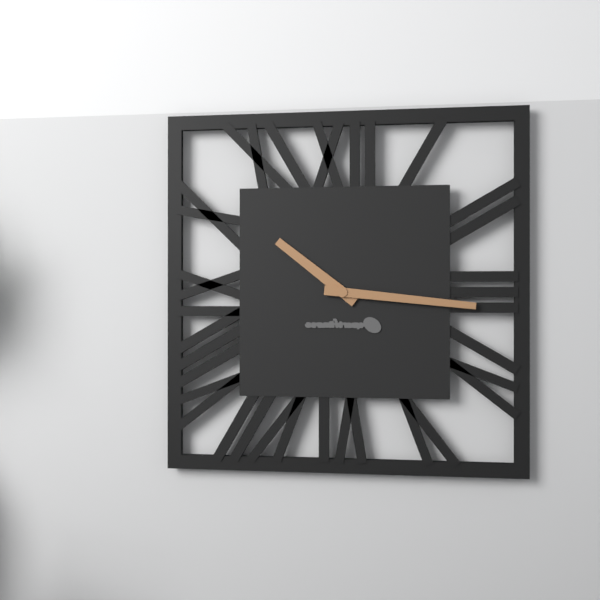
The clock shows h=10 m=16
